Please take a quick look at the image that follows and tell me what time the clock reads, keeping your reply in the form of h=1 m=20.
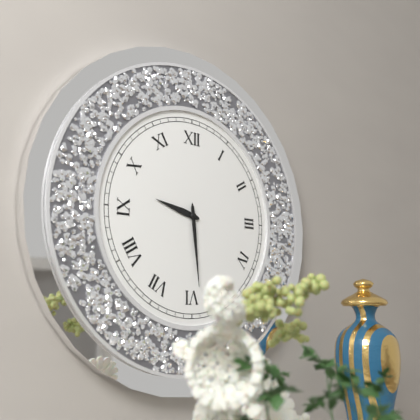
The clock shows h=9 m=29
